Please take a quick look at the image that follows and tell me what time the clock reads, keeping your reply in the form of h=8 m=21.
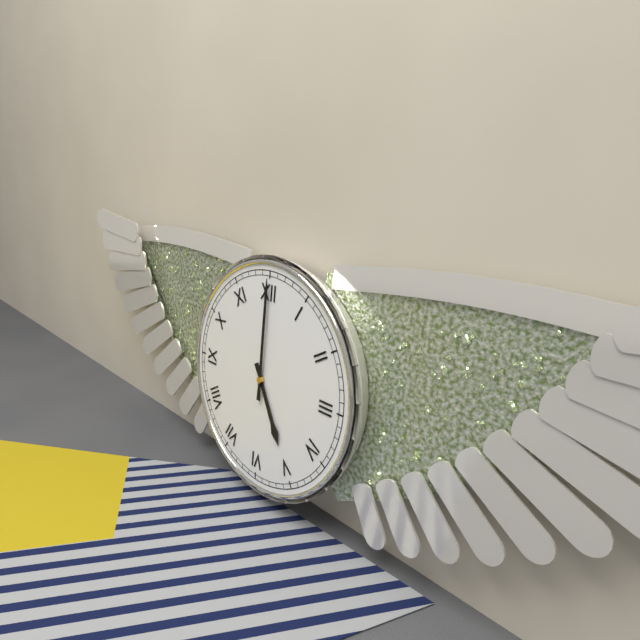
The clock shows h=5 m=0
